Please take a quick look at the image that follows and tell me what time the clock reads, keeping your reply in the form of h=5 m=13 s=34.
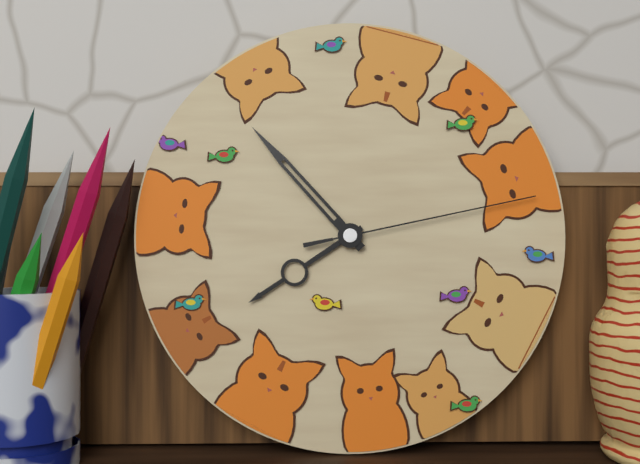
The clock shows h=7 m=53 s=13
